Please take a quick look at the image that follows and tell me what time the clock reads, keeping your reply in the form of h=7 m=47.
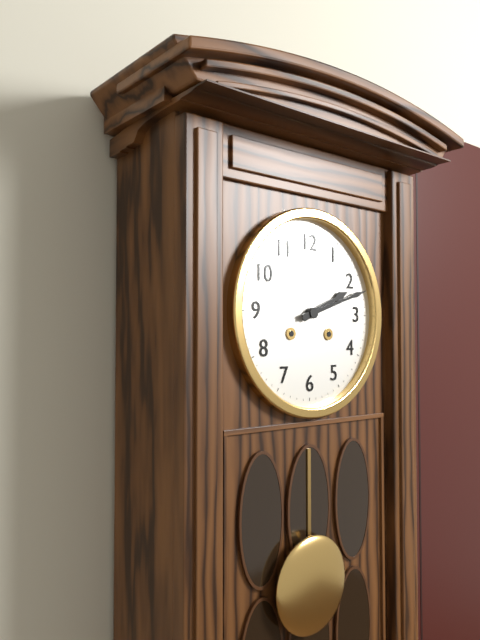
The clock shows h=2 m=12
